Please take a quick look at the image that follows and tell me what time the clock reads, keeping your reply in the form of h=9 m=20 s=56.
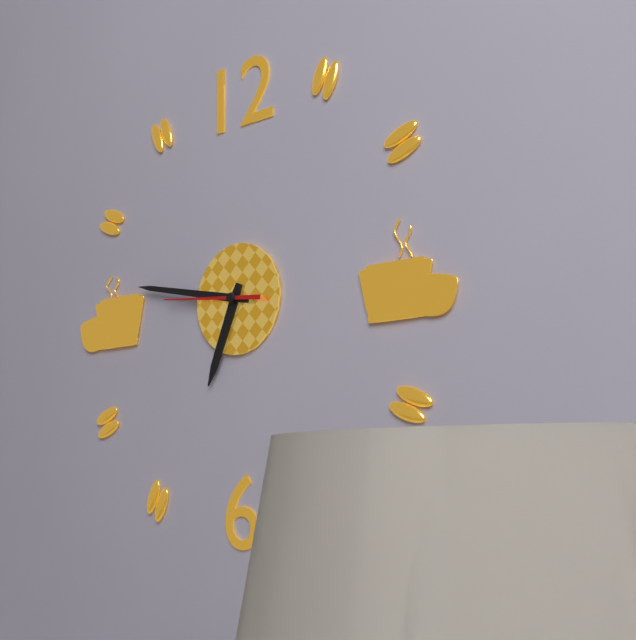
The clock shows h=6 m=47 s=46
